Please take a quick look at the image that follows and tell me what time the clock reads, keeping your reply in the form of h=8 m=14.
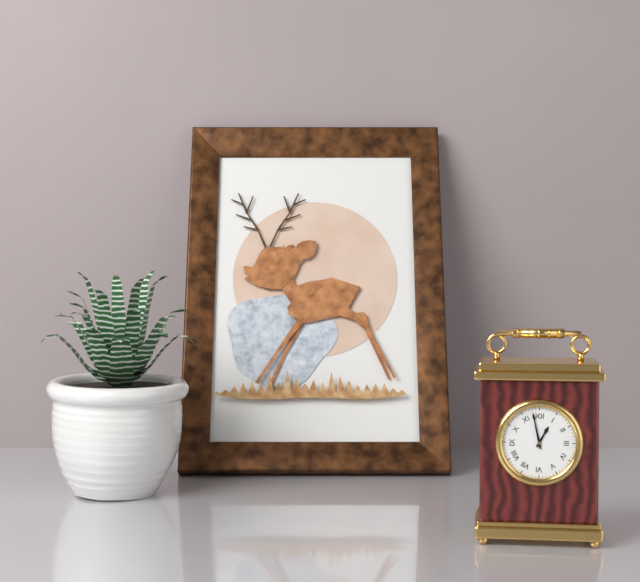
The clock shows h=12 m=58
